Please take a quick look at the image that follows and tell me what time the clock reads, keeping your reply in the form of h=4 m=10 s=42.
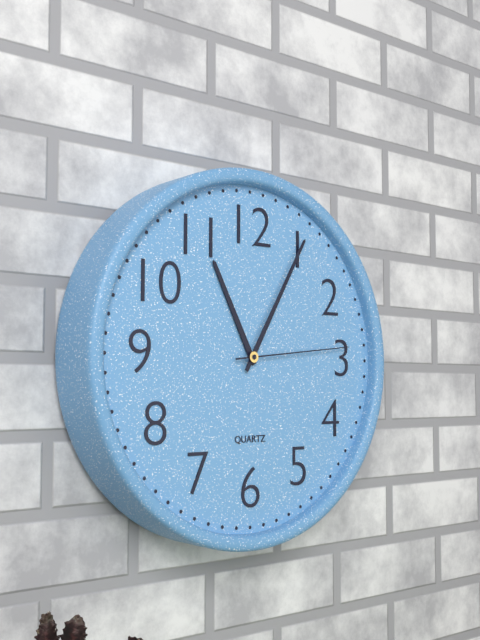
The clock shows h=11 m=5 s=14
